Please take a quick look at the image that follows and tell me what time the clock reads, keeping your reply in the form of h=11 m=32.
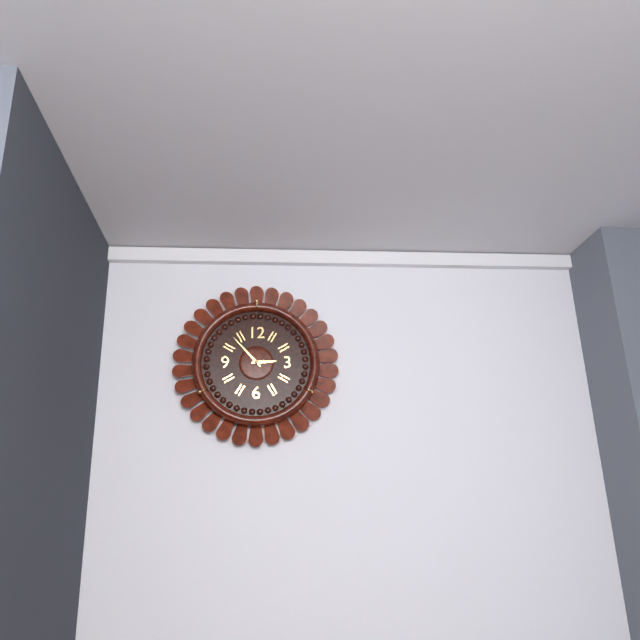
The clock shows h=2 m=53
